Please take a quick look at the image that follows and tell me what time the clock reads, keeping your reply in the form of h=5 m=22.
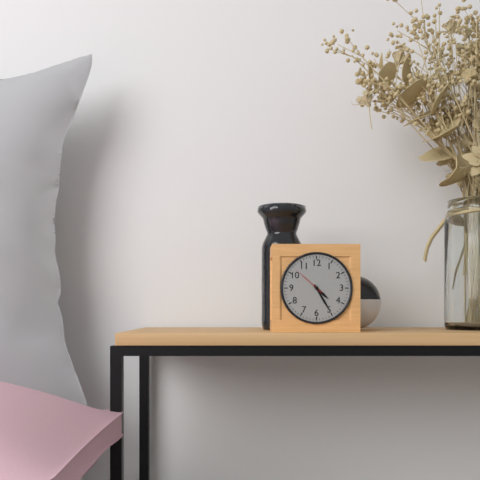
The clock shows h=4 m=25
